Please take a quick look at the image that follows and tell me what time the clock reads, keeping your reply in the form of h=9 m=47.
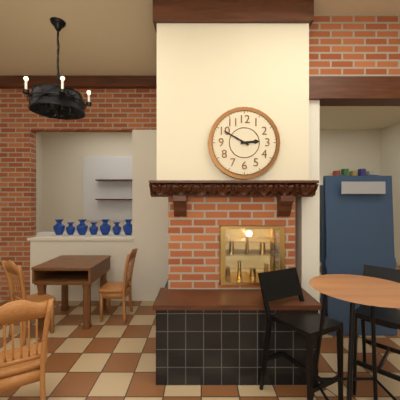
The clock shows h=2 m=50
